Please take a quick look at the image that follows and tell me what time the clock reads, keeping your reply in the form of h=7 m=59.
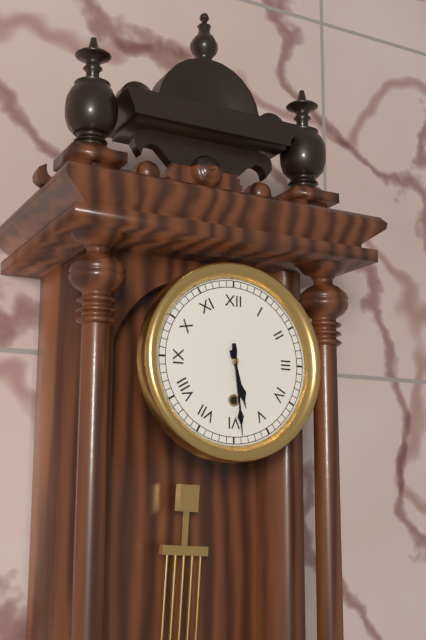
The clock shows h=5 m=29
